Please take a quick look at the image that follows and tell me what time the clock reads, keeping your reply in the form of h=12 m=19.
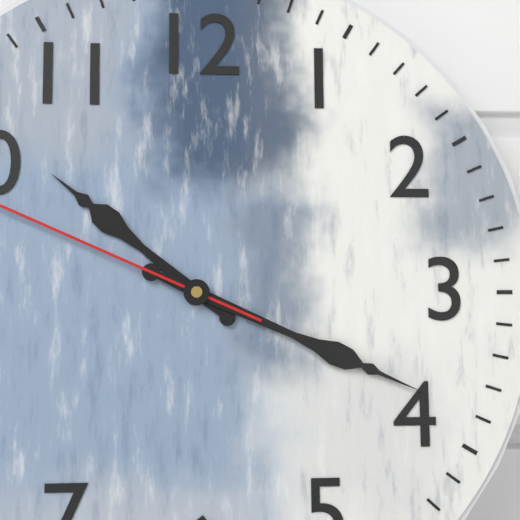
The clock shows h=10 m=19
